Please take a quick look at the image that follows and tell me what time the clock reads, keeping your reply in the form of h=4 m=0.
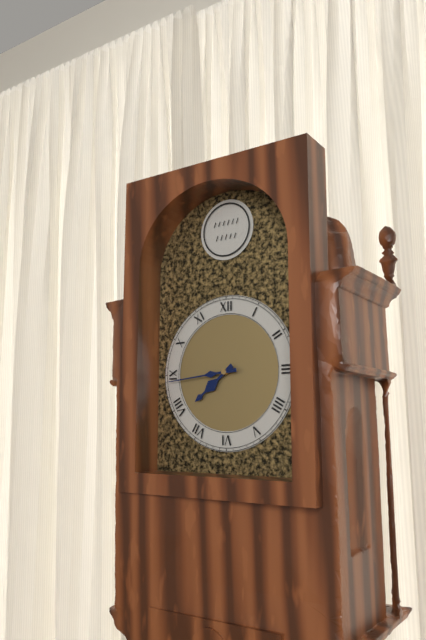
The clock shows h=7 m=44
